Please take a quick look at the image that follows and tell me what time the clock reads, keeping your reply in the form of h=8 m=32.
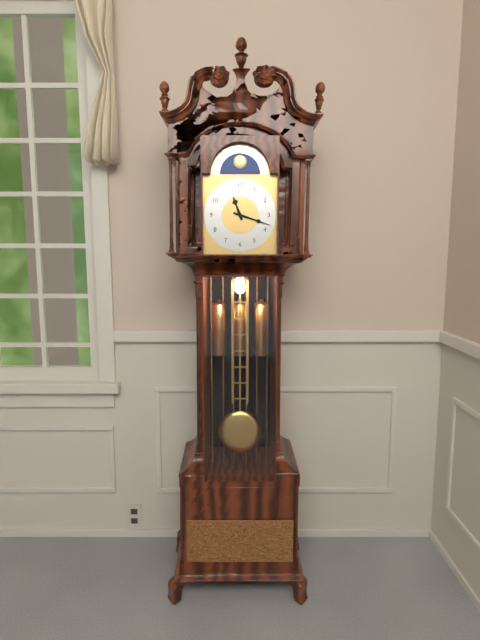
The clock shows h=11 m=18
